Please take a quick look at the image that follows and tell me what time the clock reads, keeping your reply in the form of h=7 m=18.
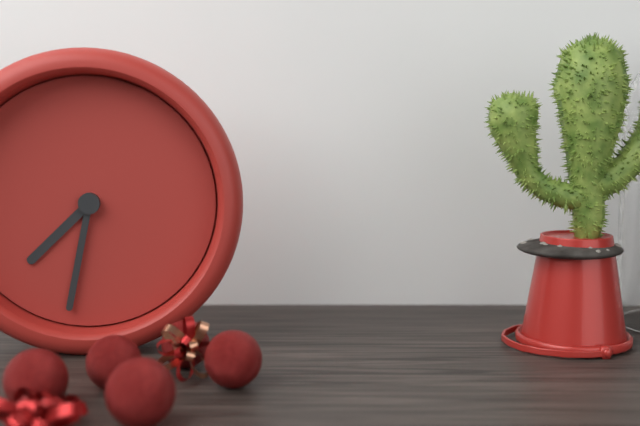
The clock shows h=7 m=32
